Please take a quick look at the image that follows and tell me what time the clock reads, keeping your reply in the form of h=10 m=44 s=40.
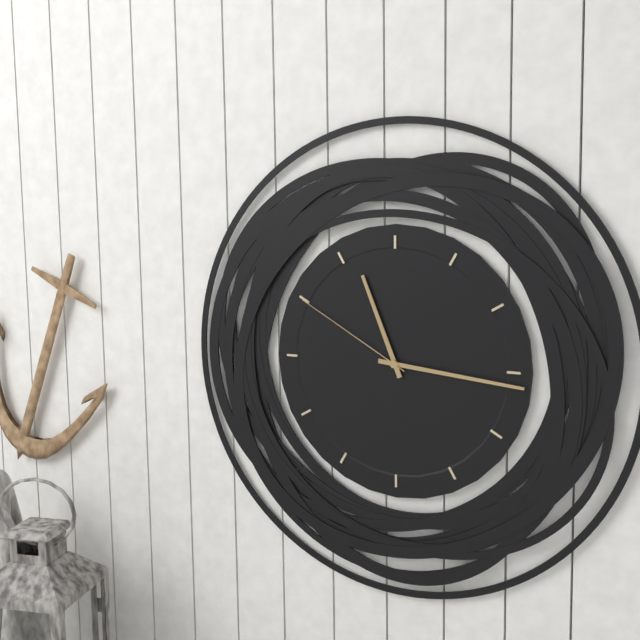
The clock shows h=11 m=16 s=50
